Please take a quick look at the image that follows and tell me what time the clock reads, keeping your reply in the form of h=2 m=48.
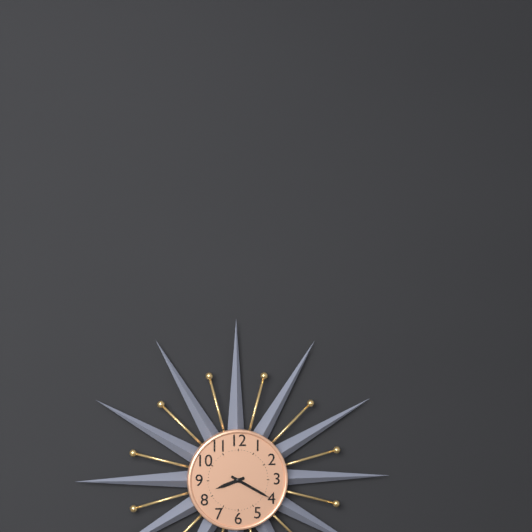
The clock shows h=8 m=20
